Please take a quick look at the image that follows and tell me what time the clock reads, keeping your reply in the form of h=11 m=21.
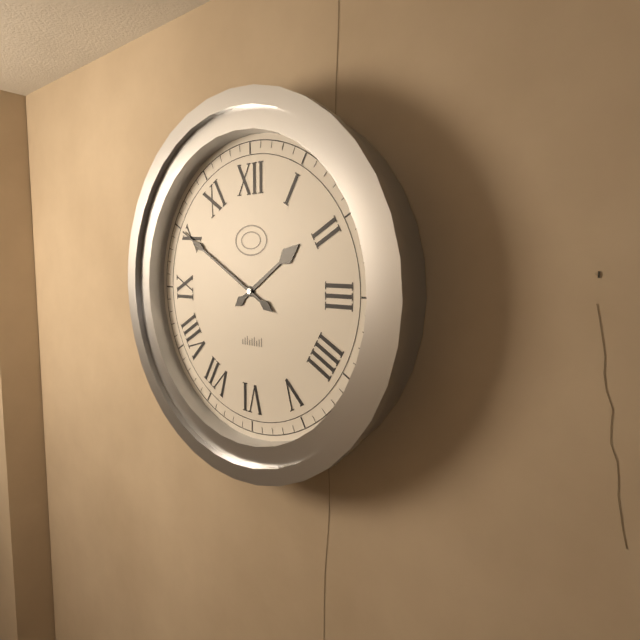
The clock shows h=1 m=50
